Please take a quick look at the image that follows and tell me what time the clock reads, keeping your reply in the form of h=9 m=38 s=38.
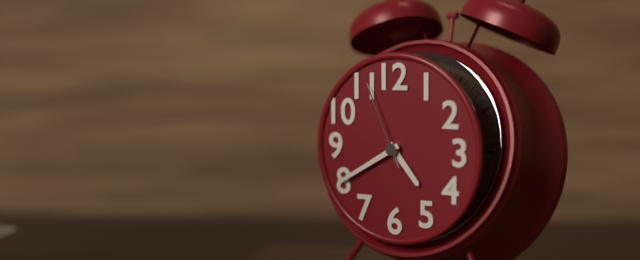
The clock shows h=4 m=40 s=56
